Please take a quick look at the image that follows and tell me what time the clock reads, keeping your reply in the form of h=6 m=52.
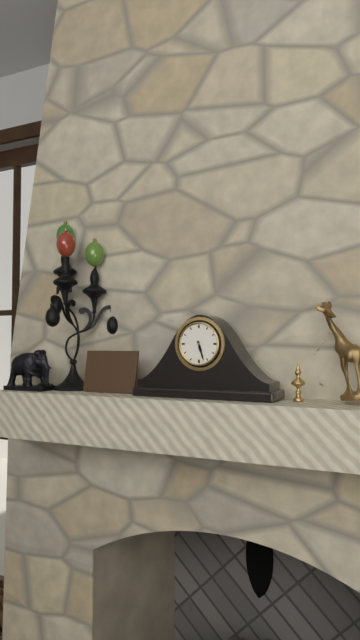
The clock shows h=5 m=27
